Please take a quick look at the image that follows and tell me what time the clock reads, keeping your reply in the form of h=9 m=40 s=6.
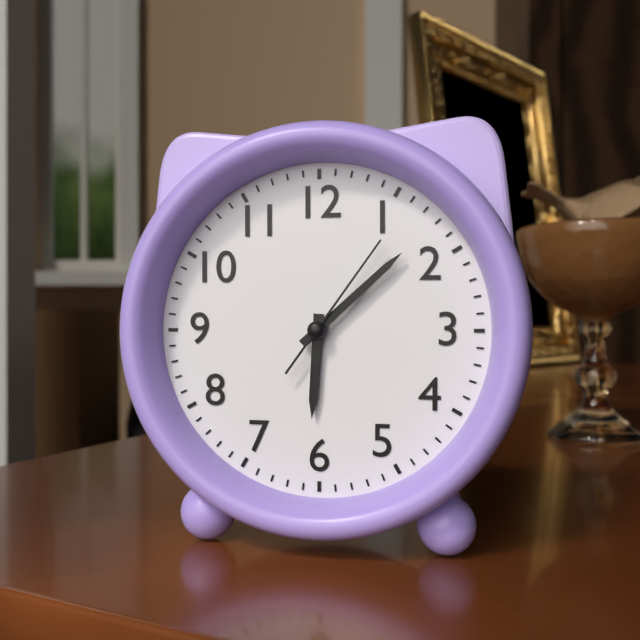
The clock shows h=6 m=8 s=6
